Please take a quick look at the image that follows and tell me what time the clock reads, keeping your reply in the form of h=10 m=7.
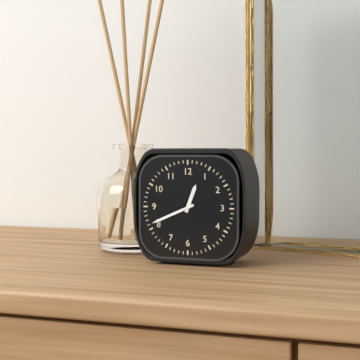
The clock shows h=12 m=41
